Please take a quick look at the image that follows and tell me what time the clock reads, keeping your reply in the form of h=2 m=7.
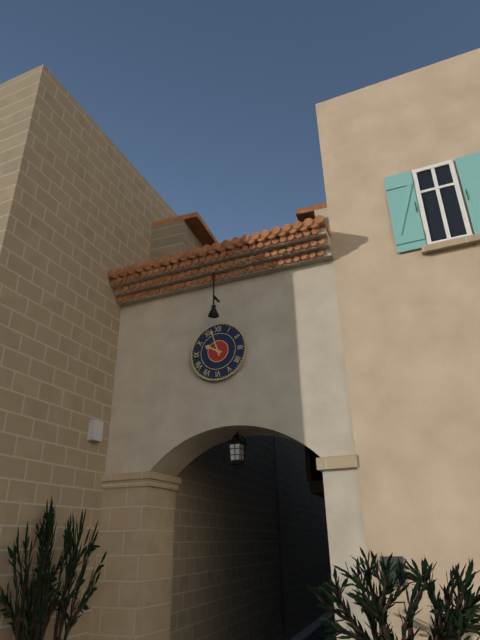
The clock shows h=9 m=57
